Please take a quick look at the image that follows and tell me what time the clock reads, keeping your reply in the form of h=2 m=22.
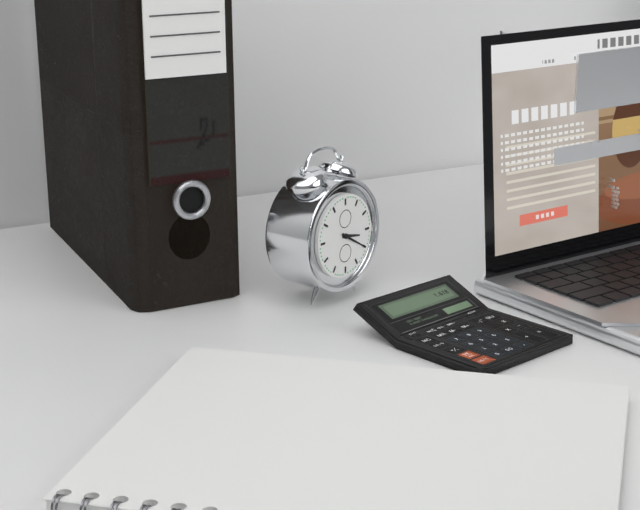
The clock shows h=3 m=20
